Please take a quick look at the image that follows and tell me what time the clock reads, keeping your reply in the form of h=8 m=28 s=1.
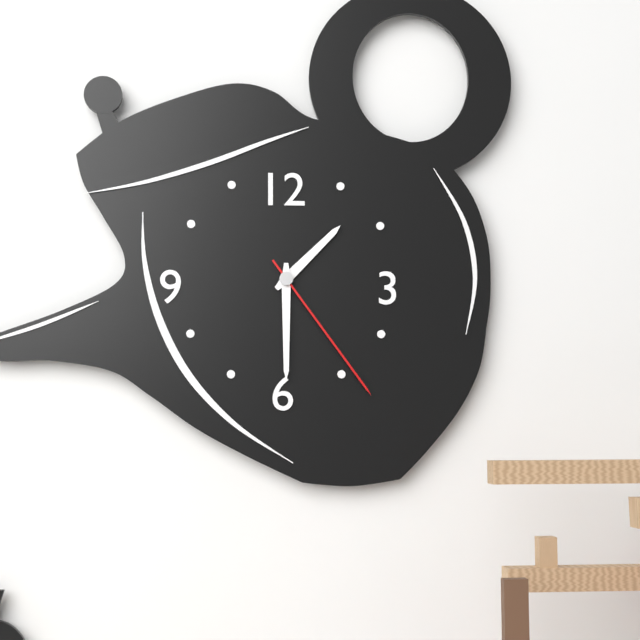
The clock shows h=1 m=30 s=24
